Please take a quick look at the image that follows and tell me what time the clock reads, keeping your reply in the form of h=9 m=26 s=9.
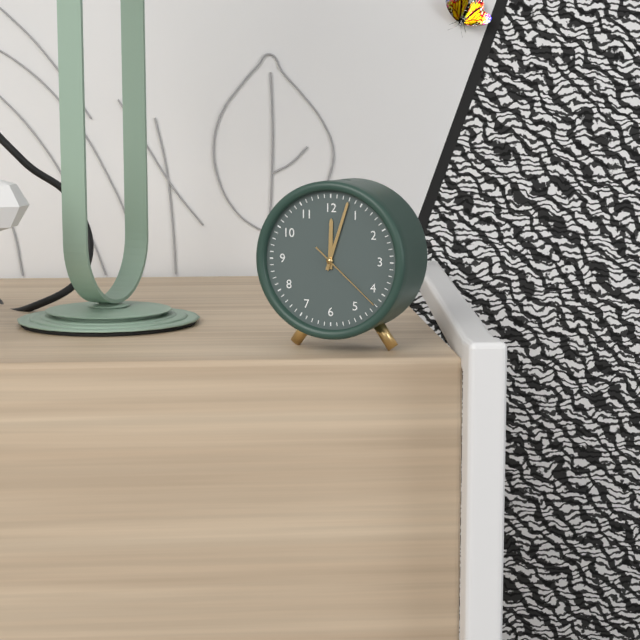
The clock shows h=12 m=3 s=22
